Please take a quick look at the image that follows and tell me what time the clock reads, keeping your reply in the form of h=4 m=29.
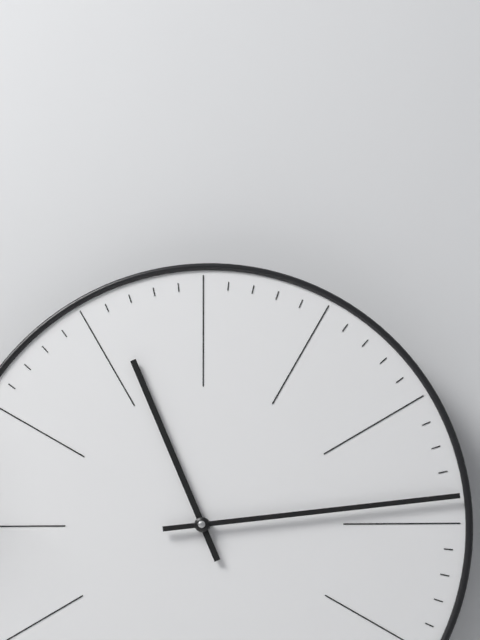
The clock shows h=11 m=14
